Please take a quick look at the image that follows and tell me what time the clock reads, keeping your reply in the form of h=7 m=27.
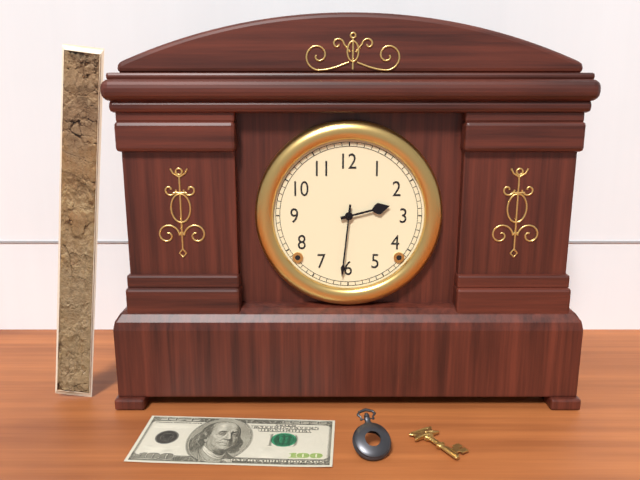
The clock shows h=2 m=31
